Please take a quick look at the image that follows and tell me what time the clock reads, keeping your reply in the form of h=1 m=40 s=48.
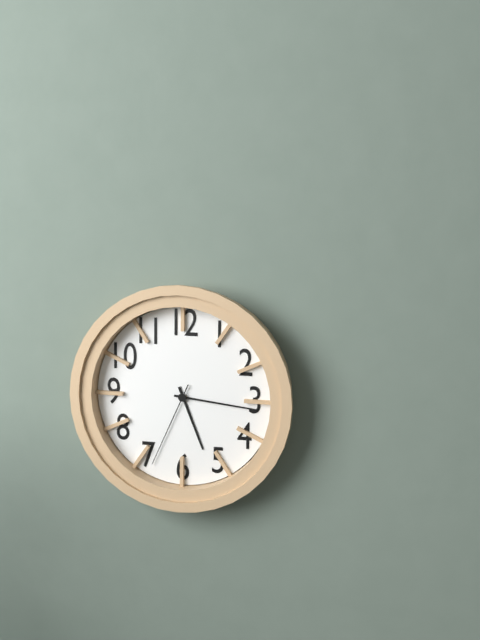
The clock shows h=5 m=16 s=34
